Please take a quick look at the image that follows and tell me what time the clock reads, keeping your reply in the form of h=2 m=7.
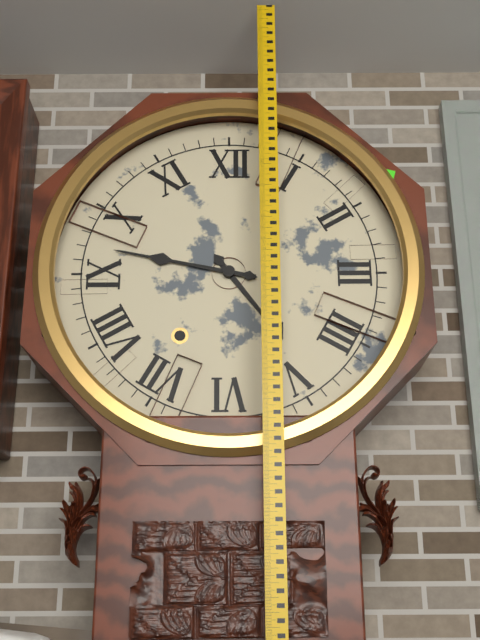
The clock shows h=4 m=47
